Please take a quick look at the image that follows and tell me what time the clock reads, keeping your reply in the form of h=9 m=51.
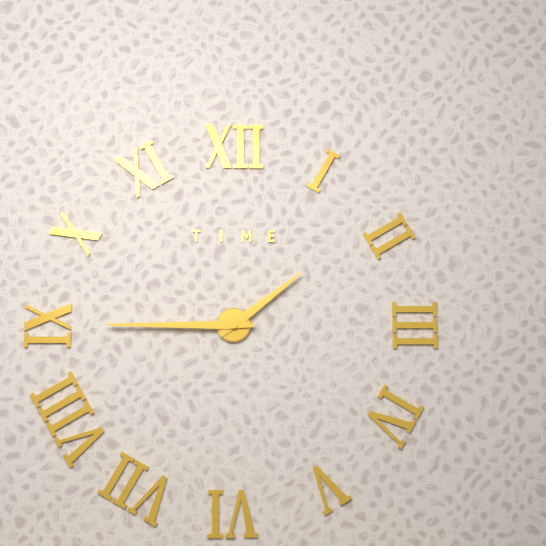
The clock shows h=1 m=45
